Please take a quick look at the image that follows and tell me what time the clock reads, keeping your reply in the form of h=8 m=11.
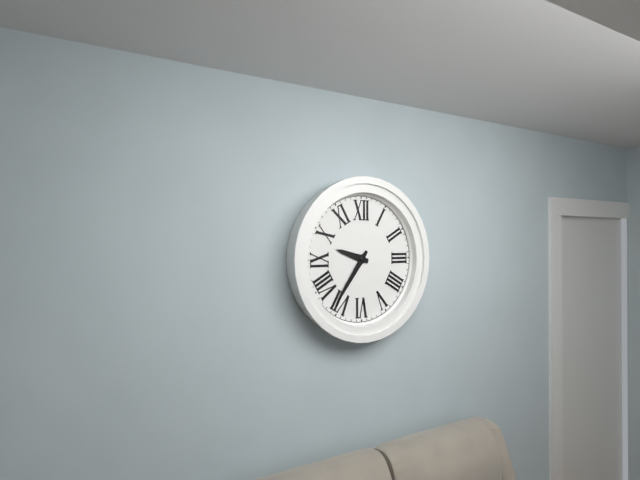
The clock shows h=9 m=36
